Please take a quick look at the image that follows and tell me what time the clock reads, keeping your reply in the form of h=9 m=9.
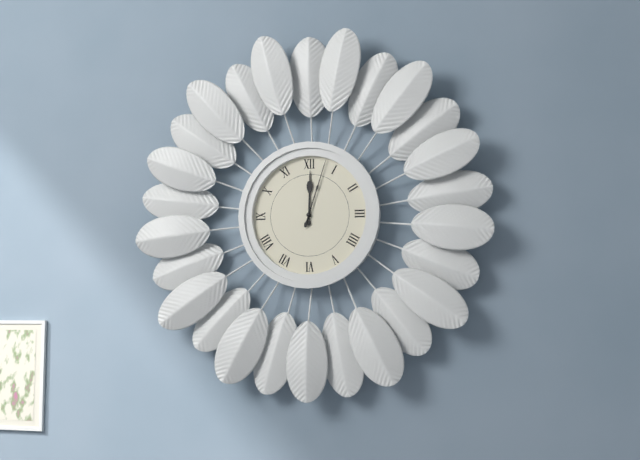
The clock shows h=12 m=3
